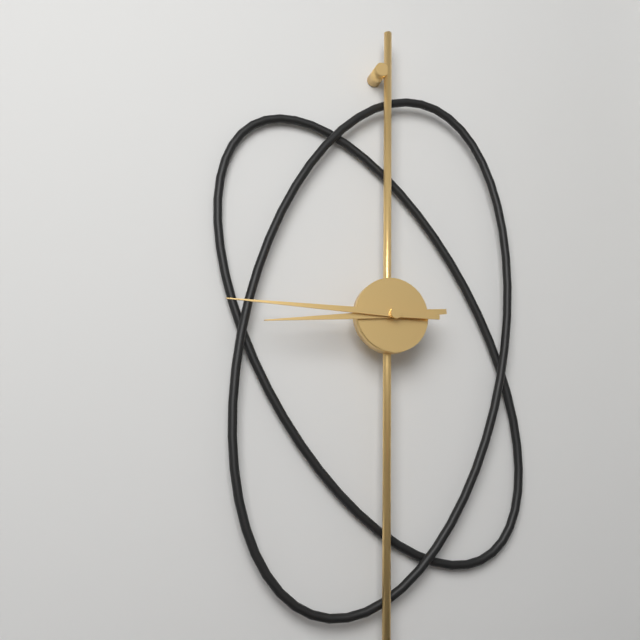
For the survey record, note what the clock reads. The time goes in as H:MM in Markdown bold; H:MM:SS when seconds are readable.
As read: **8:45**
